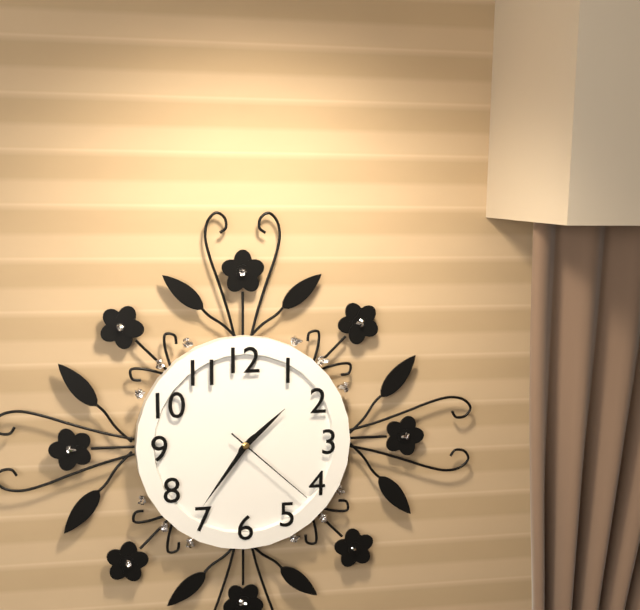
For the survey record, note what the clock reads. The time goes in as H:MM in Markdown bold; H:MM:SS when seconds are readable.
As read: **1:36:22**
